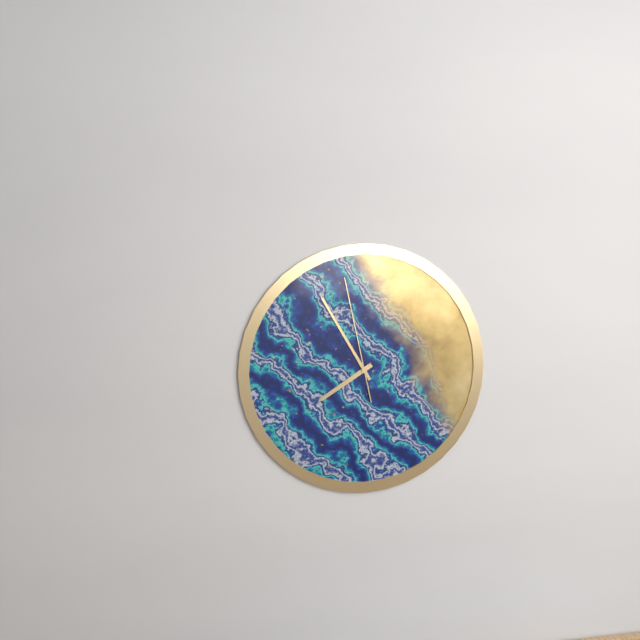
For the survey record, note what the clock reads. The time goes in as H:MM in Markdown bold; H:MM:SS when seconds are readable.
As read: **7:55:58**
